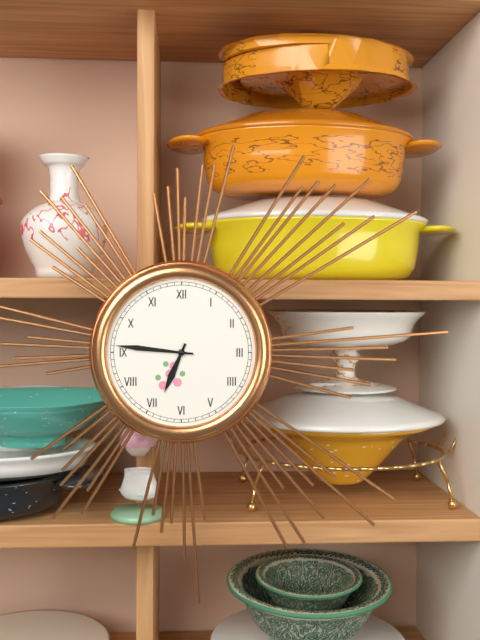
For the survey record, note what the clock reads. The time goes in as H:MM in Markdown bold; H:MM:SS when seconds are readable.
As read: **6:46**
